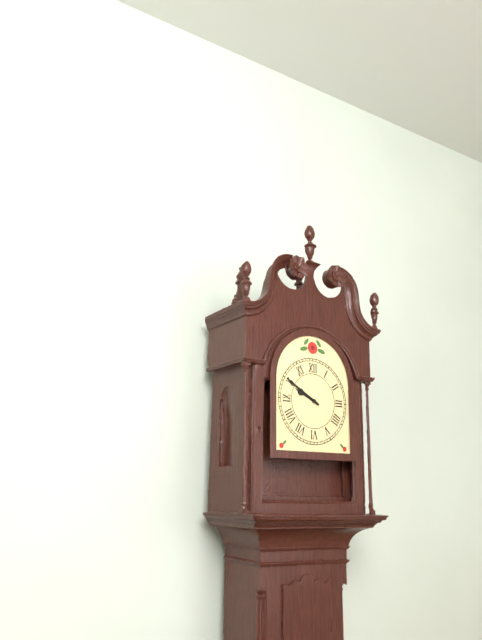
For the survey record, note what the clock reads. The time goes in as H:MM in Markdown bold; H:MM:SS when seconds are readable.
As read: **9:50**
